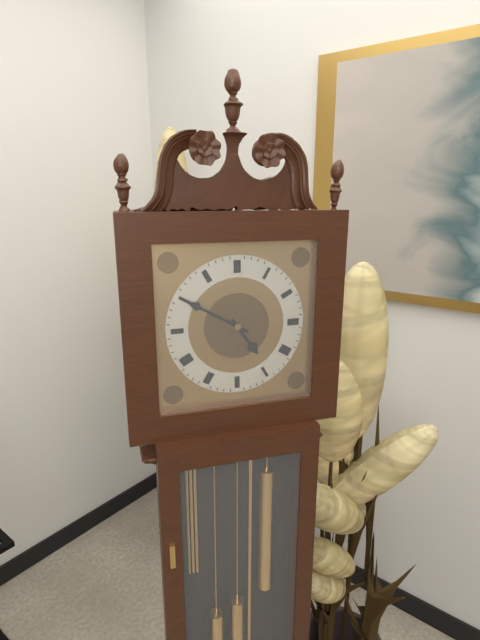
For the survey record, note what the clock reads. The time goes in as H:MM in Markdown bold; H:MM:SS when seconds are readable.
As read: **4:50**
